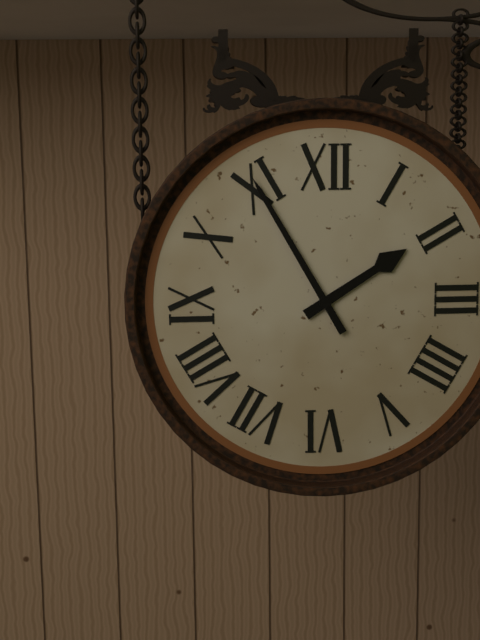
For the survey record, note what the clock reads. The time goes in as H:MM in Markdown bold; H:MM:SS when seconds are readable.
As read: **1:55**
